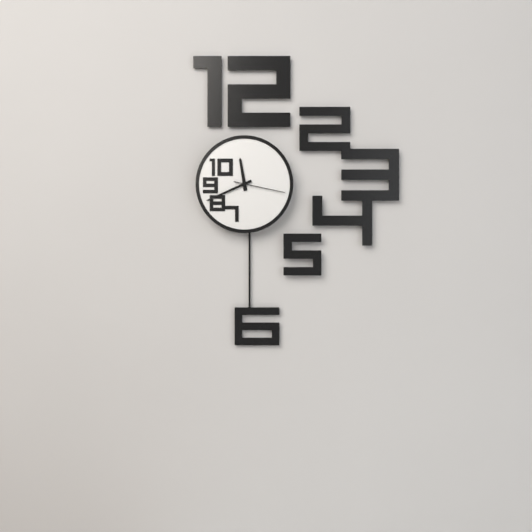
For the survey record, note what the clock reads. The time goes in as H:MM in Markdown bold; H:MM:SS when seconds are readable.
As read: **11:41:17**
